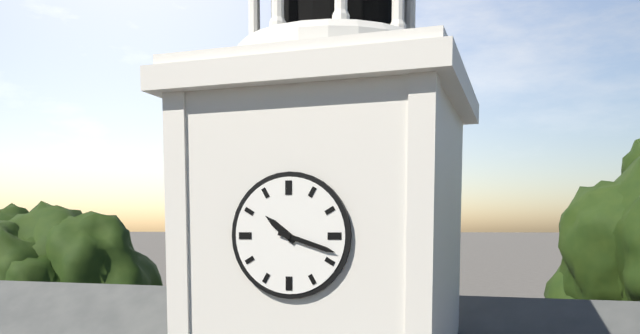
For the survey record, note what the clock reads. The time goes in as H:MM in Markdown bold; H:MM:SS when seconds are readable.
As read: **10:18**
